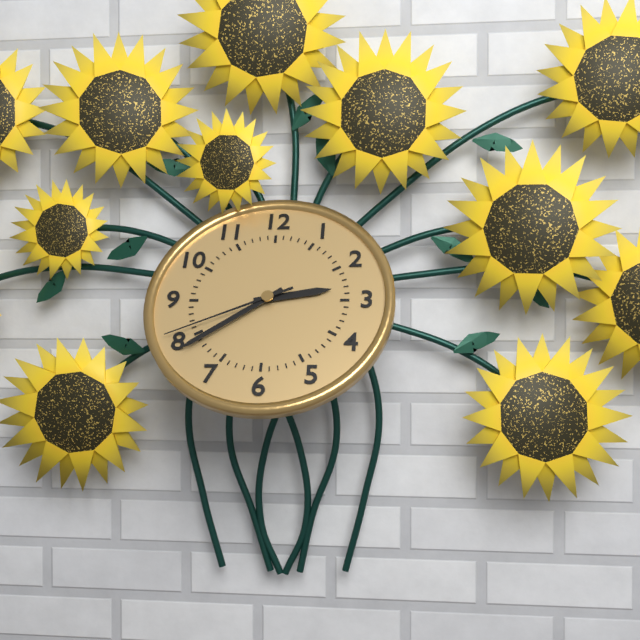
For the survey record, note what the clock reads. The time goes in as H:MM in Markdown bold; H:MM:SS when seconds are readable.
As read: **2:39:41**
